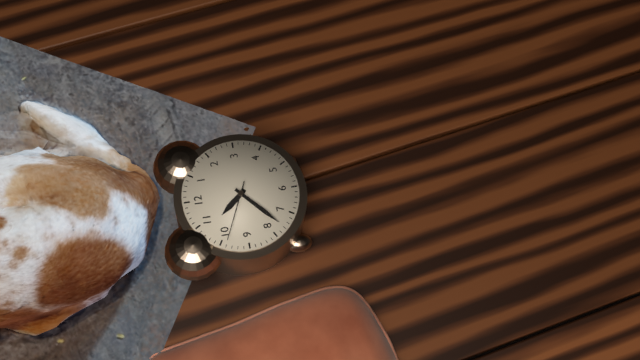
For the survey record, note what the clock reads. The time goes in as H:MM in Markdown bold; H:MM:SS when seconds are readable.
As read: **10:38:49**
